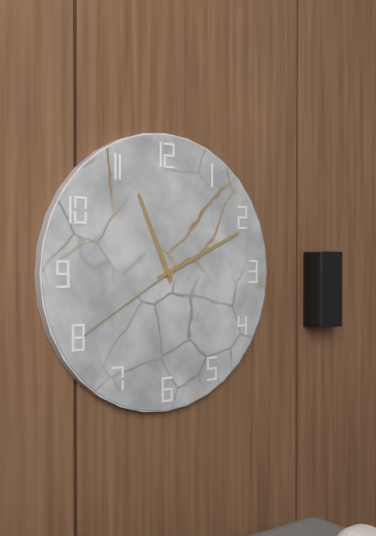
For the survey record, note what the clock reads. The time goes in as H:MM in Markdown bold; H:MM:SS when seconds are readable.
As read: **11:11:40**
